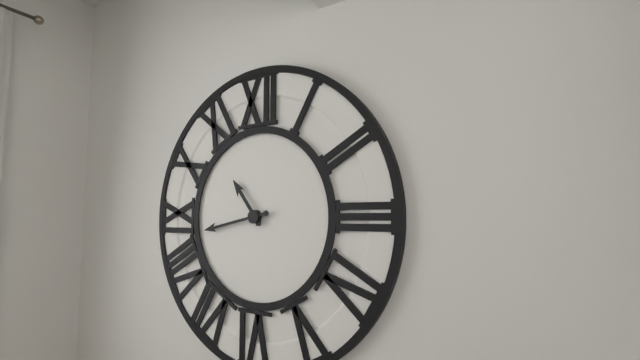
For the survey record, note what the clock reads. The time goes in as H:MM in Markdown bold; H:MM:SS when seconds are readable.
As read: **10:43**
